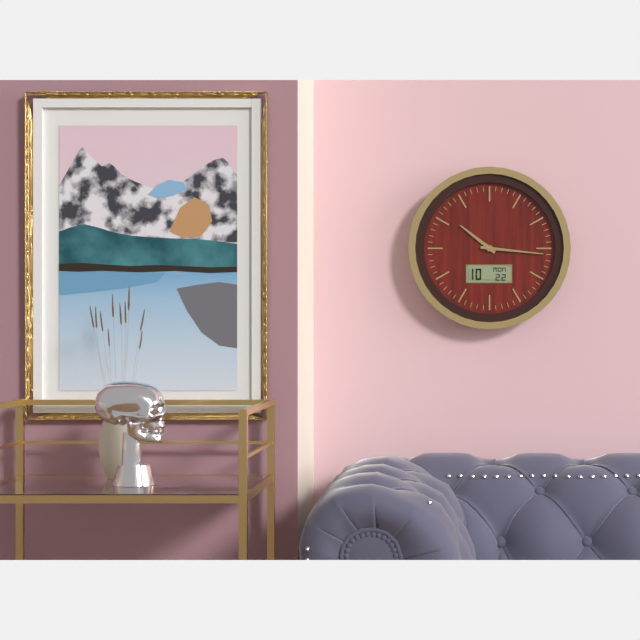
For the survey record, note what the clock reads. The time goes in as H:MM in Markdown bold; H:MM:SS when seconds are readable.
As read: **10:16**
